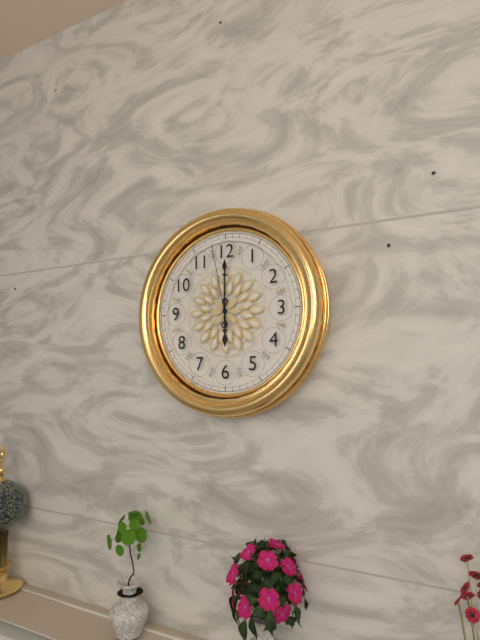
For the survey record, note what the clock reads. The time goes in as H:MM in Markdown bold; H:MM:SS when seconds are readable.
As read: **6:00:58**
